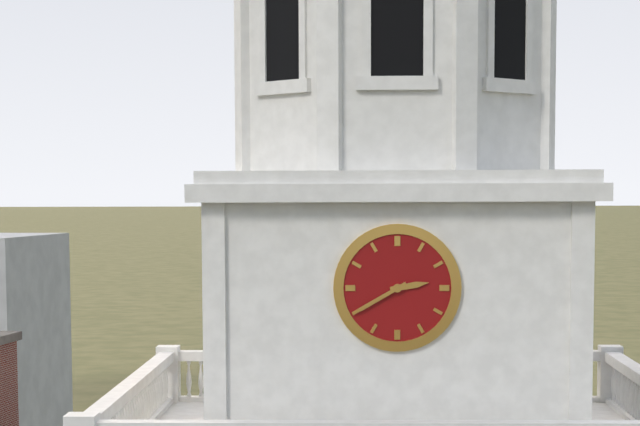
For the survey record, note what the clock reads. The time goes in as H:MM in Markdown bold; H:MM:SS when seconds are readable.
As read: **2:40**
